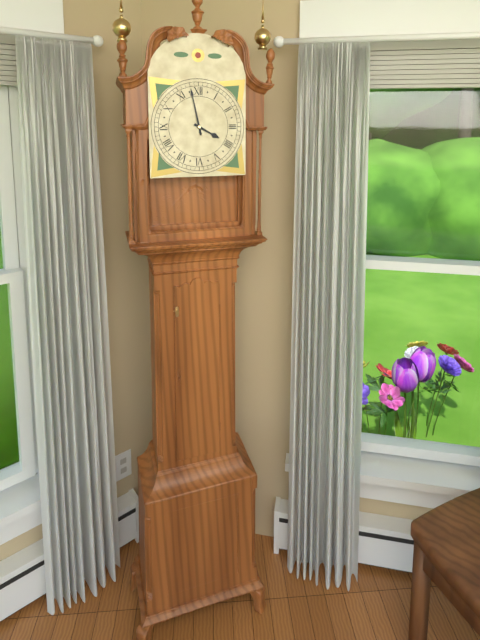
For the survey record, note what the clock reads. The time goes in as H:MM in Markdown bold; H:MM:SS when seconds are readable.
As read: **3:58**
